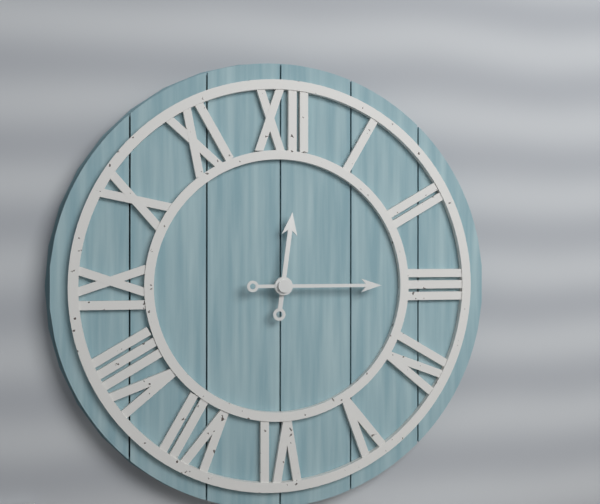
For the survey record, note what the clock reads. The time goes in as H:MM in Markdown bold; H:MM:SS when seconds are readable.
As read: **12:15**
